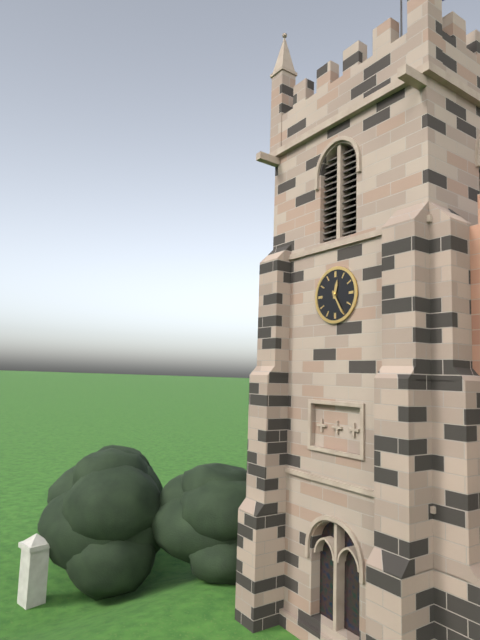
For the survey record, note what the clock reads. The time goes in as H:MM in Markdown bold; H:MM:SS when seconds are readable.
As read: **12:25**
